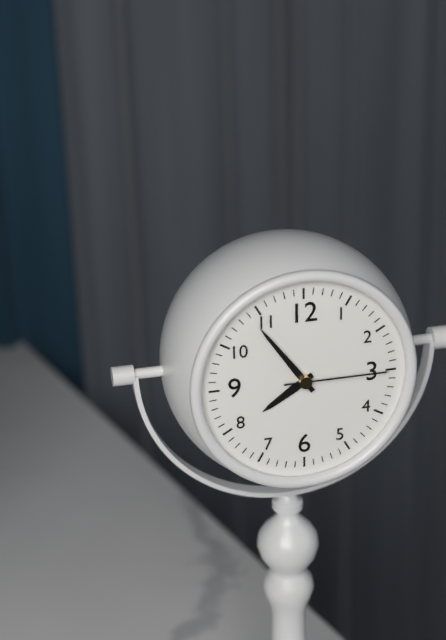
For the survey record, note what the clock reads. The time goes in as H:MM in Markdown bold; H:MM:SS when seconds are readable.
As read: **7:54:15**
